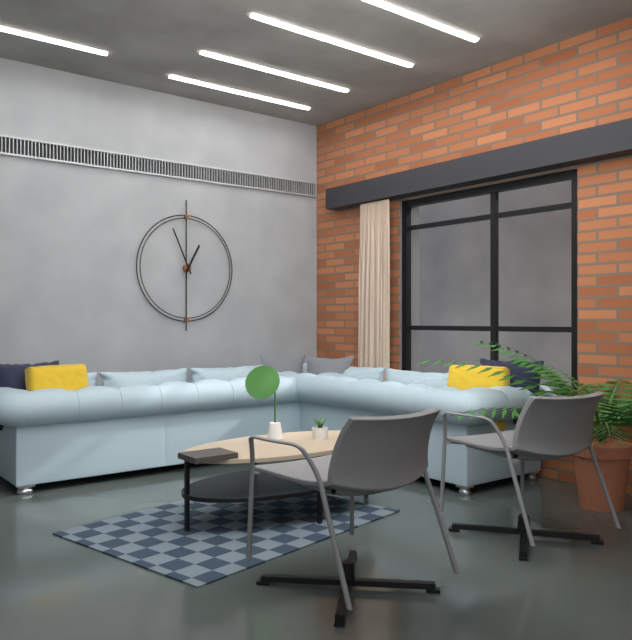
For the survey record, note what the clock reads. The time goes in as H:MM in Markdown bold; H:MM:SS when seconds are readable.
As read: **12:56**
